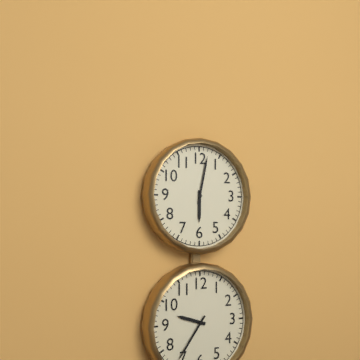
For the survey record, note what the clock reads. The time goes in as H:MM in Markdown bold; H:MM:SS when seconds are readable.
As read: **6:02**
